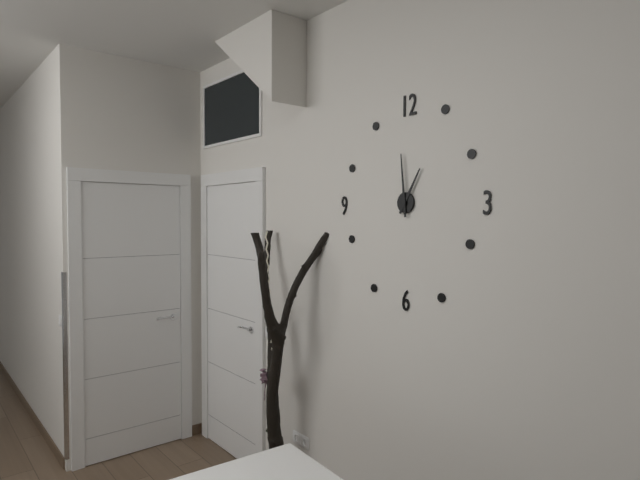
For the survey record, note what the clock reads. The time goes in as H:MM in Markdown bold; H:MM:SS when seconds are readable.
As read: **12:59**
